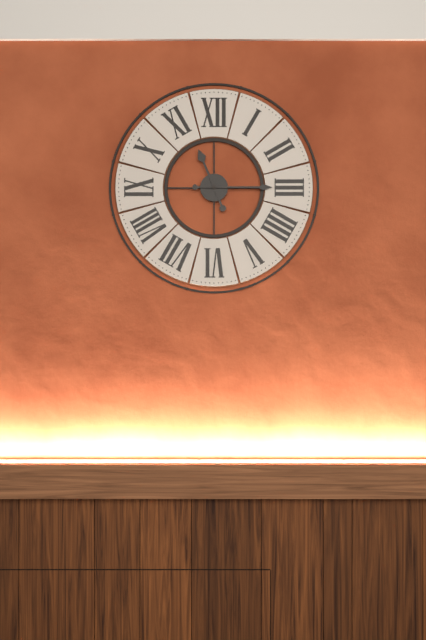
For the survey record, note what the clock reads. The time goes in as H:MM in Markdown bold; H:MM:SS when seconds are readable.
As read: **11:15**
